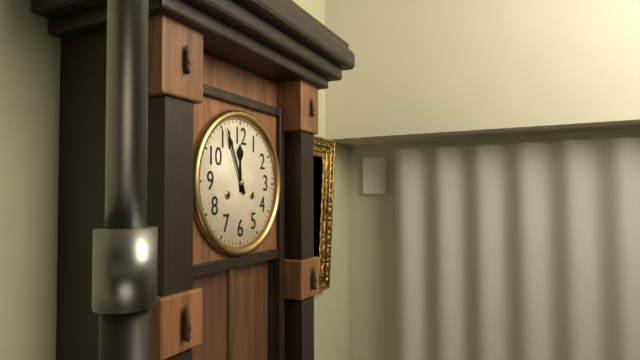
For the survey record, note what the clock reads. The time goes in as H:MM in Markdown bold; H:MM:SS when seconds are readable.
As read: **11:56**
